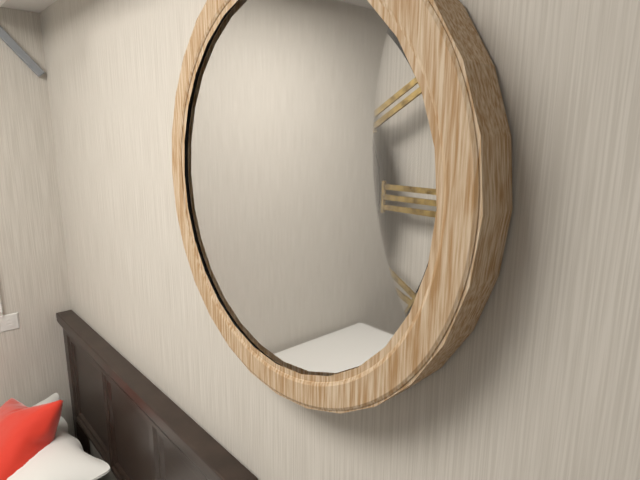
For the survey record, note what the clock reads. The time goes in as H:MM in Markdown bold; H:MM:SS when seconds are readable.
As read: **5:49**
